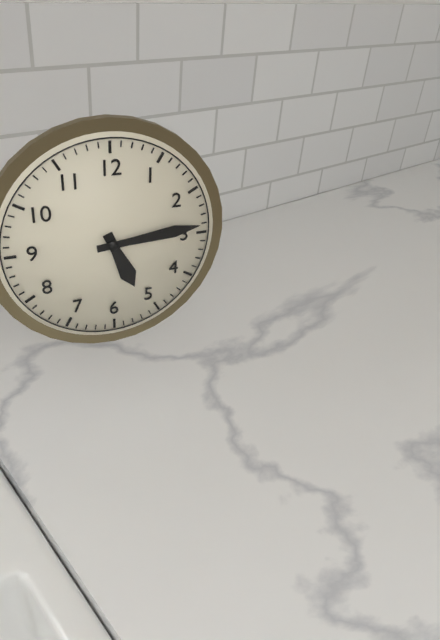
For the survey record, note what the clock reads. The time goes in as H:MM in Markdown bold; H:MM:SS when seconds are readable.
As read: **5:14**
